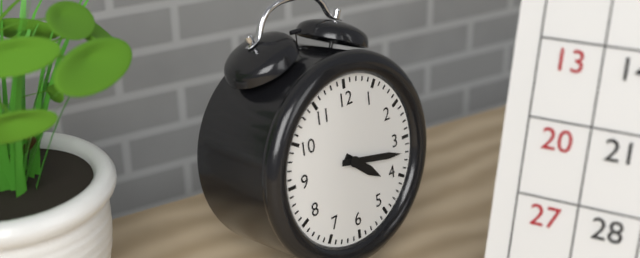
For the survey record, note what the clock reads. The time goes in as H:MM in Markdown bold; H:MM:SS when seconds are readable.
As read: **4:17**
